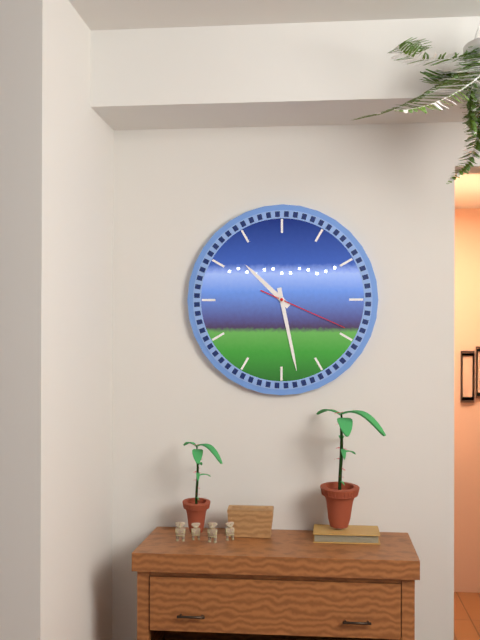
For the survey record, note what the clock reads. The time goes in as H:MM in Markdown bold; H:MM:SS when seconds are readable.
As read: **10:28:19**
